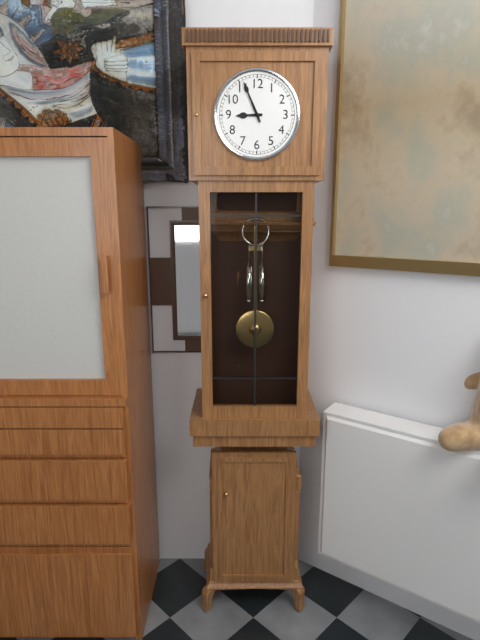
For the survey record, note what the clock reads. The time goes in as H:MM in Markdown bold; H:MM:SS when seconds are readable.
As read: **8:56**
